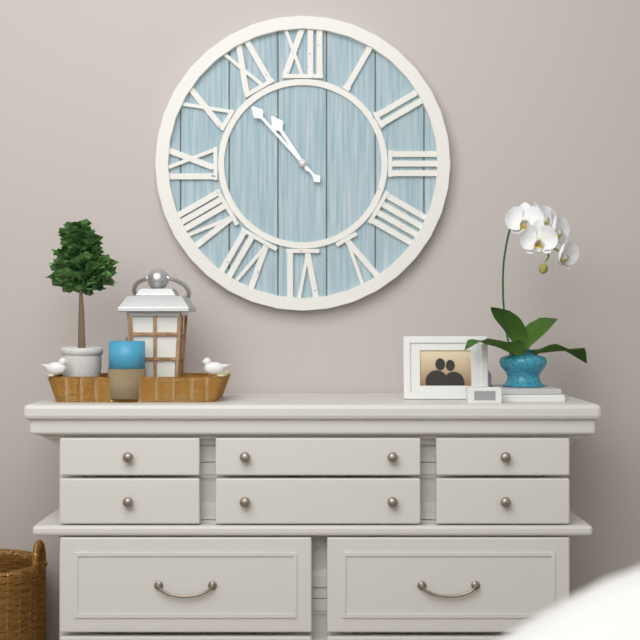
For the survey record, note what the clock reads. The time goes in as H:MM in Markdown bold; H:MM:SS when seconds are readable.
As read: **10:53**
